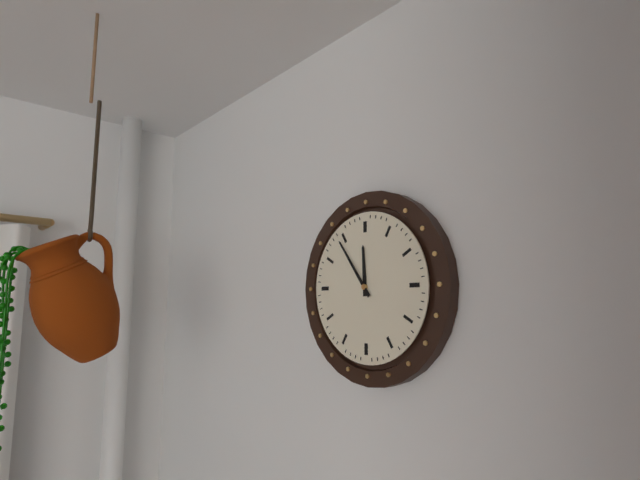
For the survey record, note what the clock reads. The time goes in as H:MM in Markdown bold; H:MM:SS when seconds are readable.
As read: **11:54**
